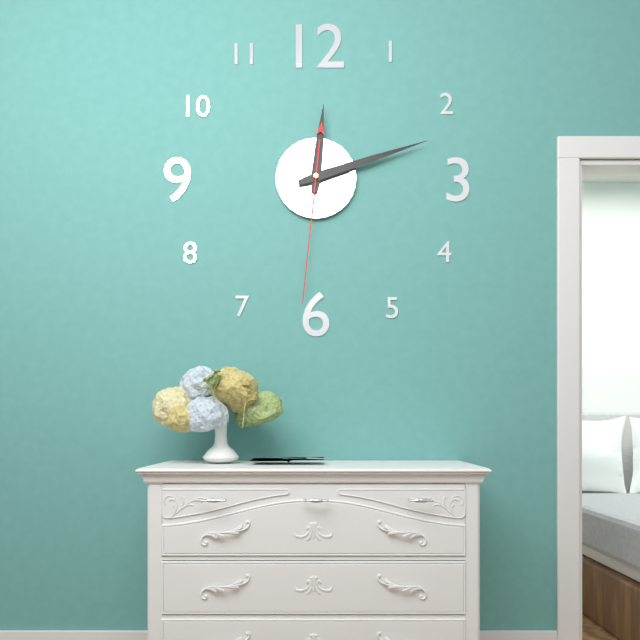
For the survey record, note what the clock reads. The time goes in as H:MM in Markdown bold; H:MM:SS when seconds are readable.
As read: **12:12:31**
